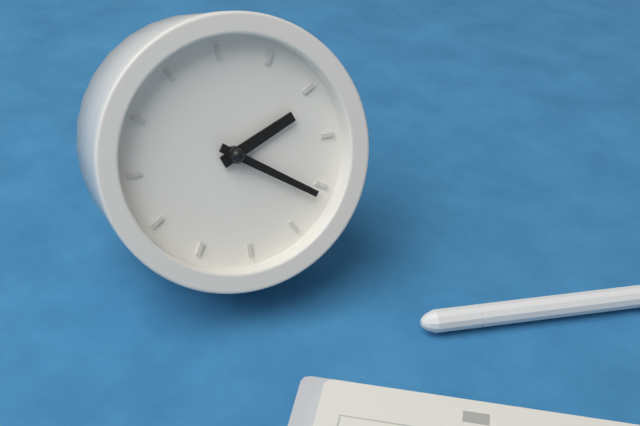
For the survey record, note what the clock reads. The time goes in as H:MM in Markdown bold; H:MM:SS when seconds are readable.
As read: **1:16**
